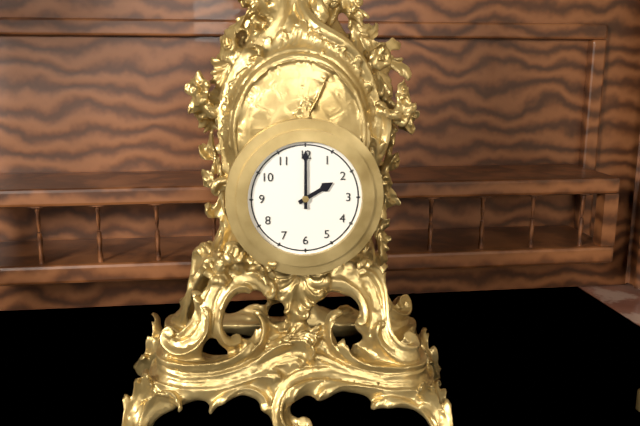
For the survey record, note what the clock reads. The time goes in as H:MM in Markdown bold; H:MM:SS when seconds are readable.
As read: **2:00**
